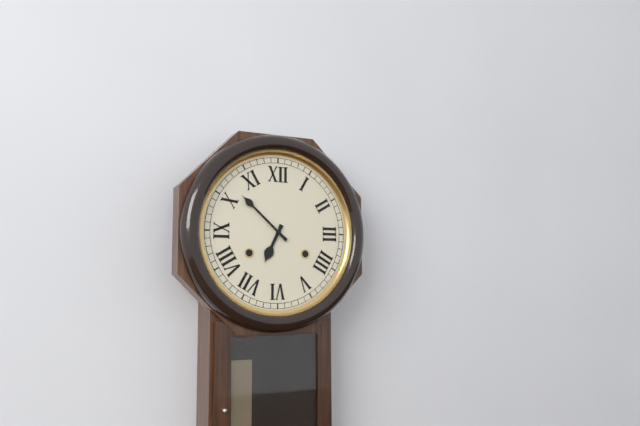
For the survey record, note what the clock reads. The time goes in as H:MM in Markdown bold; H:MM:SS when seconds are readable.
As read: **6:52**
